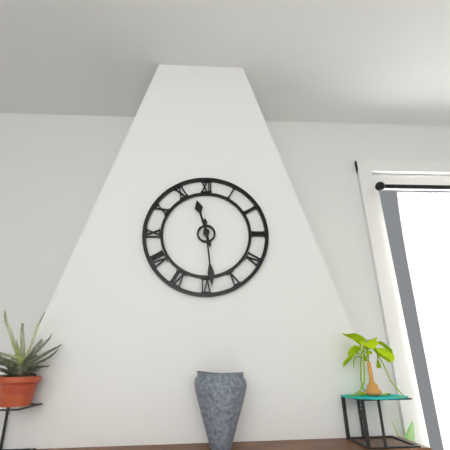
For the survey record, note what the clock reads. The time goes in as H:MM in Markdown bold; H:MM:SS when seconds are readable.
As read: **11:29**
